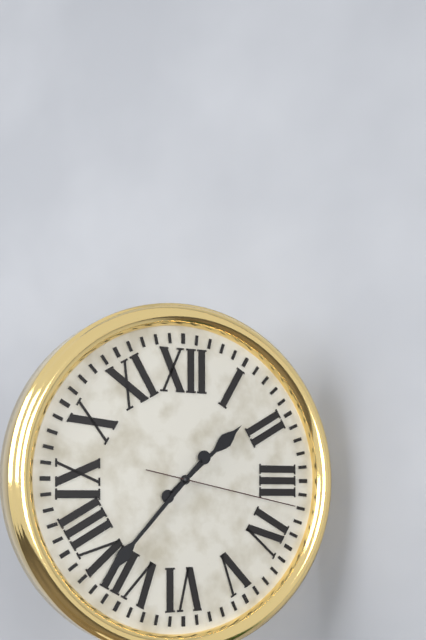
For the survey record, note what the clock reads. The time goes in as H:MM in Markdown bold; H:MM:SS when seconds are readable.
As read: **1:37:17**
